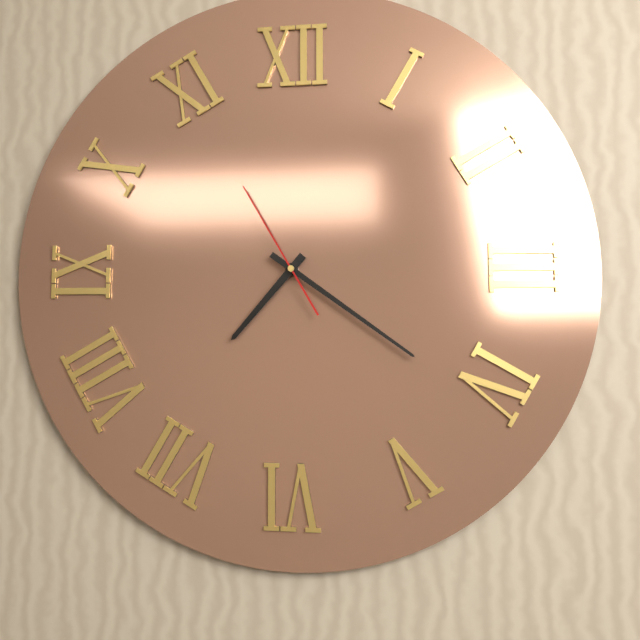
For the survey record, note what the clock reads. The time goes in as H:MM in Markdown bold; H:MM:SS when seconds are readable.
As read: **7:21:55**
